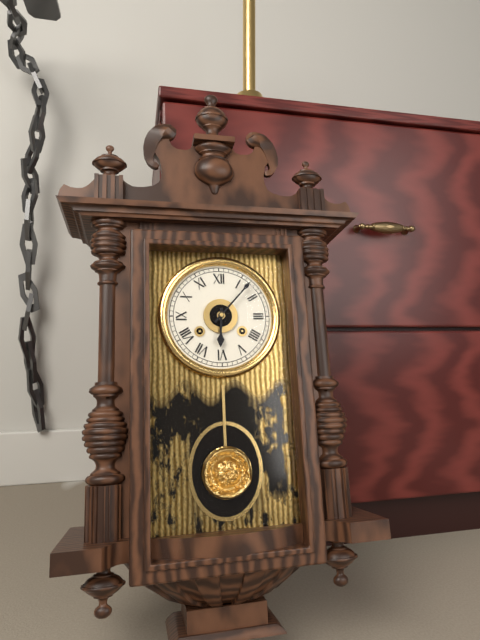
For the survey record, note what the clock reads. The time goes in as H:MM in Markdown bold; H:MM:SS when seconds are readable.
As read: **6:07**
